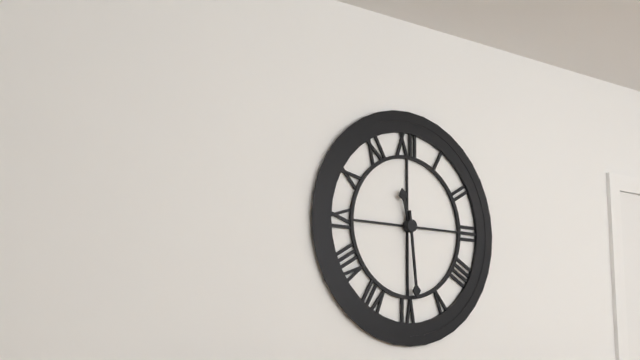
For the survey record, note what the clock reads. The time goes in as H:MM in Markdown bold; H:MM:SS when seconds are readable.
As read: **11:29**
